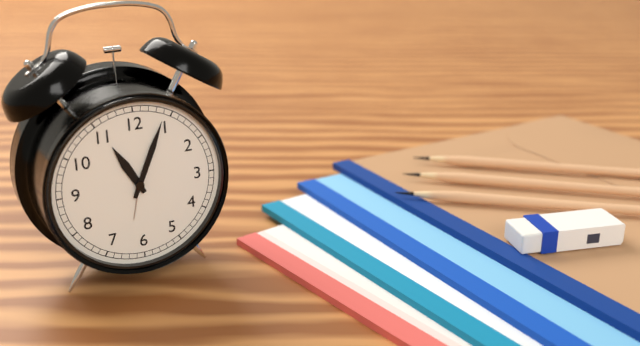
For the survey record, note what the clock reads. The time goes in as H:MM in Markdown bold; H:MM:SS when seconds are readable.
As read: **11:04**
